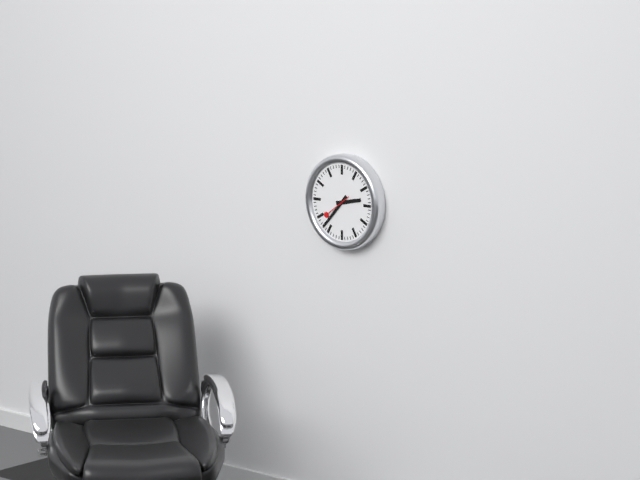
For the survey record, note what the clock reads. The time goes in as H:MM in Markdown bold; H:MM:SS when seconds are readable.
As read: **2:37**
